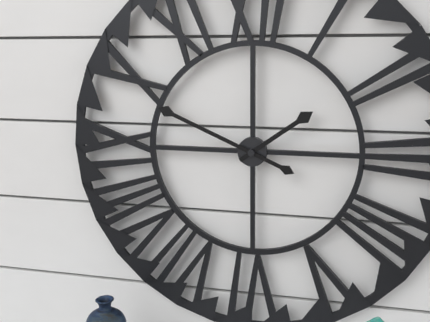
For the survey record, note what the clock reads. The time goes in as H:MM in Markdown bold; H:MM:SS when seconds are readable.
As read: **1:49**
